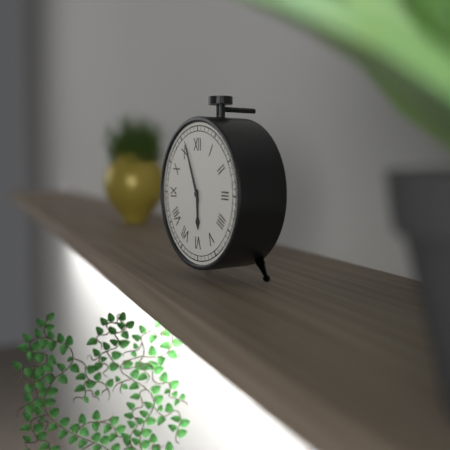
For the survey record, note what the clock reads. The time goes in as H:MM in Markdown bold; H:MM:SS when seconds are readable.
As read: **5:56**
